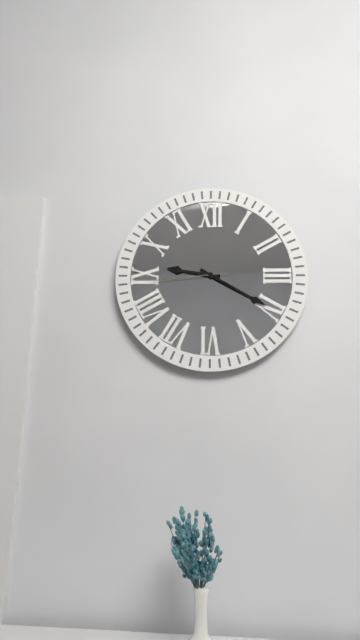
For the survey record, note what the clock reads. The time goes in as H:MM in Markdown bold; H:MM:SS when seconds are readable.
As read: **9:20:44**
